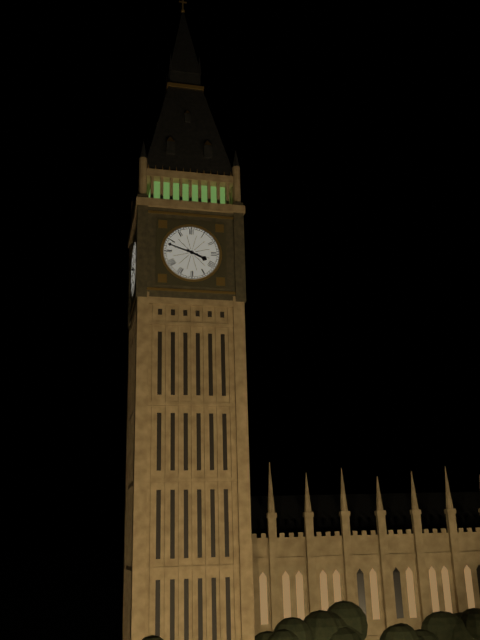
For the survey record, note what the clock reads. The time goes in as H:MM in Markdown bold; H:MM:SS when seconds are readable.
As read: **3:48**
